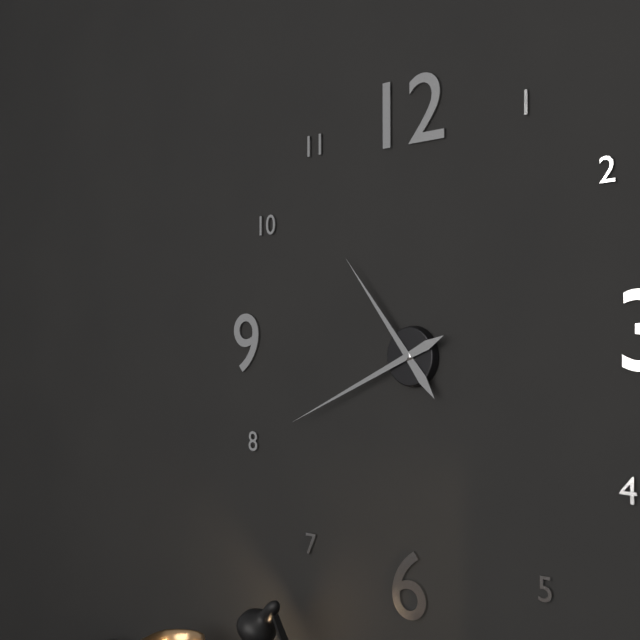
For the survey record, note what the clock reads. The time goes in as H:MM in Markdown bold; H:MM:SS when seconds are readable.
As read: **10:41**
